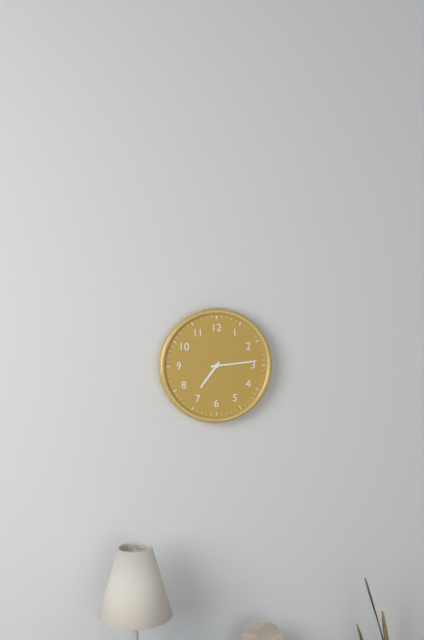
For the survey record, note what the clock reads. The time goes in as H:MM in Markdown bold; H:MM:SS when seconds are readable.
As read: **7:14**
